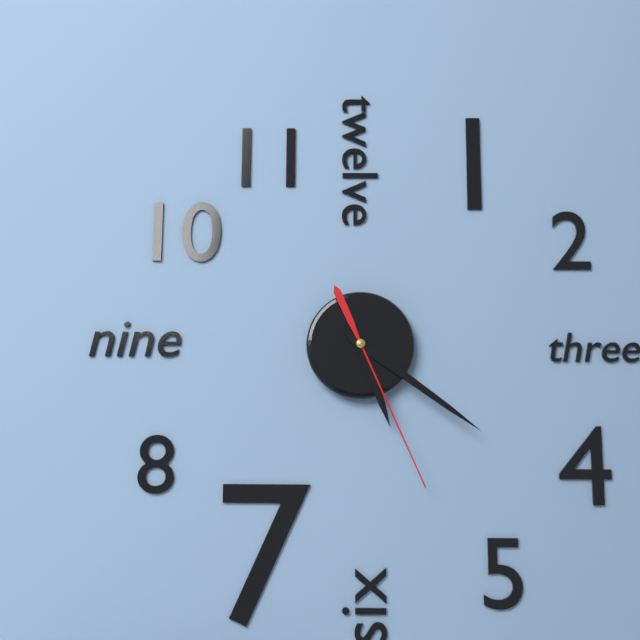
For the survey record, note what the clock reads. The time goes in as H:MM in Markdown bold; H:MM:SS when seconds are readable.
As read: **5:21:26**
